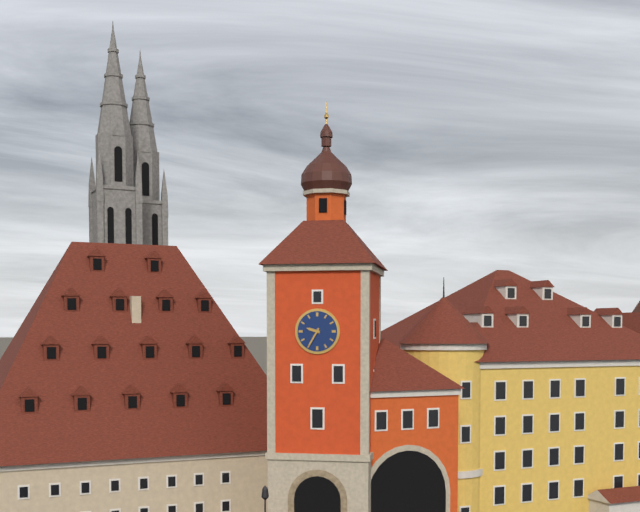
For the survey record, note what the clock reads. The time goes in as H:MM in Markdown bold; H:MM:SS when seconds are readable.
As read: **9:35**
